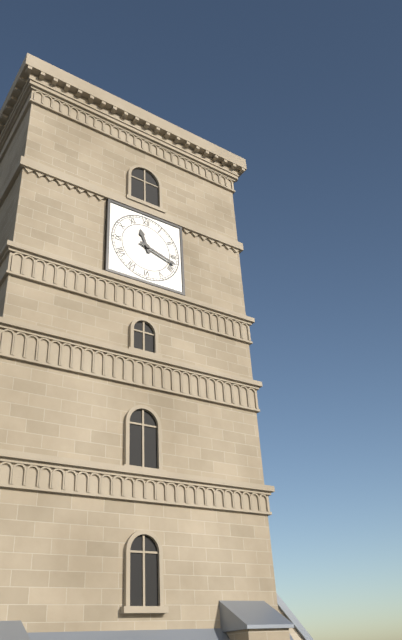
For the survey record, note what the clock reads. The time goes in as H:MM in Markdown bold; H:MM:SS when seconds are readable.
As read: **11:18**
